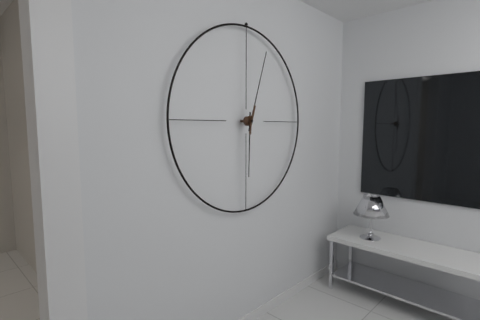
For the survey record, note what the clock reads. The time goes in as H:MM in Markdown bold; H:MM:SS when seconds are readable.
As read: **6:03**
